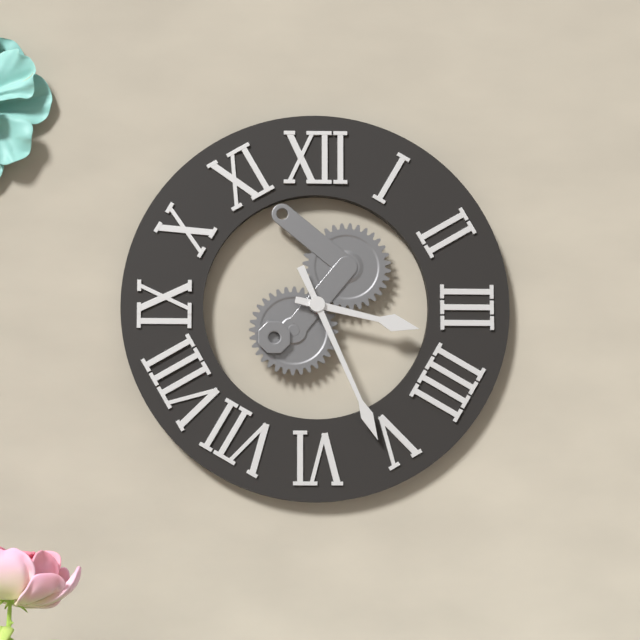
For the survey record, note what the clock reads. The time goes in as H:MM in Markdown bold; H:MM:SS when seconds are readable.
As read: **3:26**
